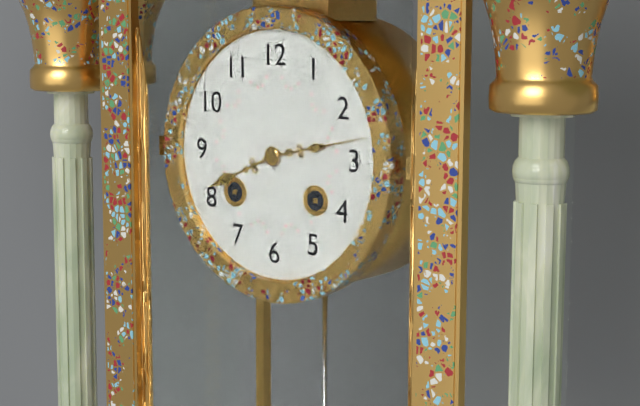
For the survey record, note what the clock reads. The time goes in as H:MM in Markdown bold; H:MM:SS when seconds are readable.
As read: **8:13**
